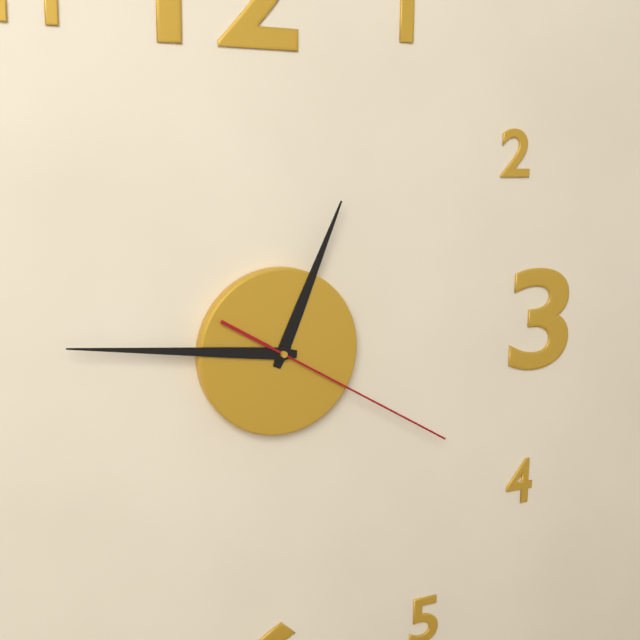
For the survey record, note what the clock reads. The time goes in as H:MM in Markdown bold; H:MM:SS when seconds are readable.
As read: **12:46:20**
